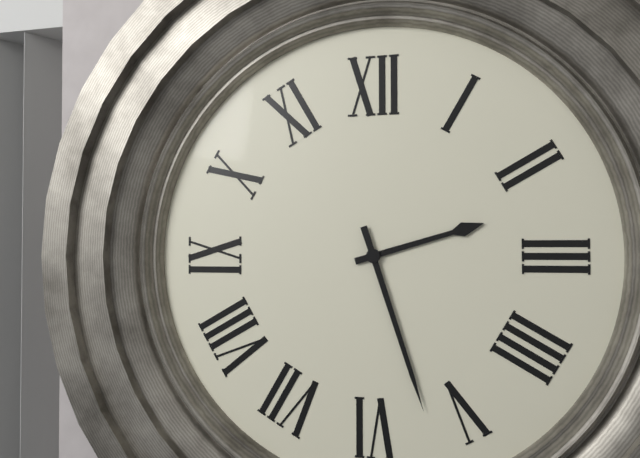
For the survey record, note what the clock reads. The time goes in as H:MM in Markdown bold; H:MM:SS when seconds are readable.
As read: **2:27**
